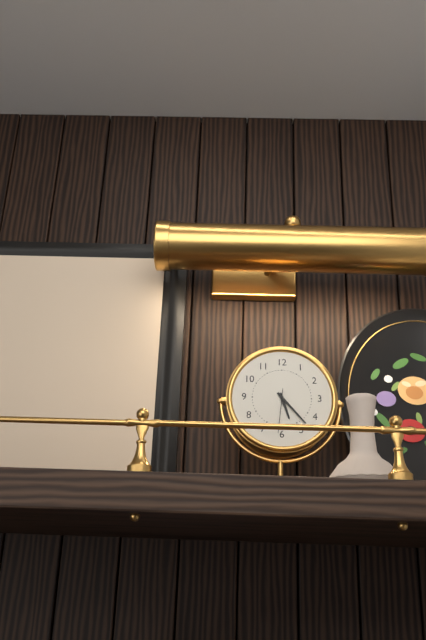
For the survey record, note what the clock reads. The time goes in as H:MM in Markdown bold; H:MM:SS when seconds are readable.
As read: **5:23**
